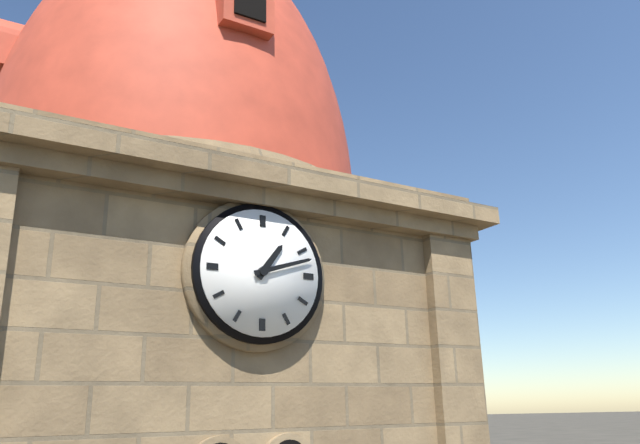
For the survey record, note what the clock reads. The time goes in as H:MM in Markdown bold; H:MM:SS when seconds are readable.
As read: **1:12**
